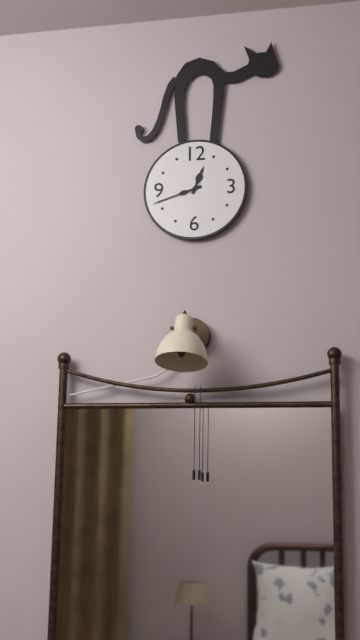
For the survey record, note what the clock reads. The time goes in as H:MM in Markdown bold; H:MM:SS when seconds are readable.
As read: **12:42**
